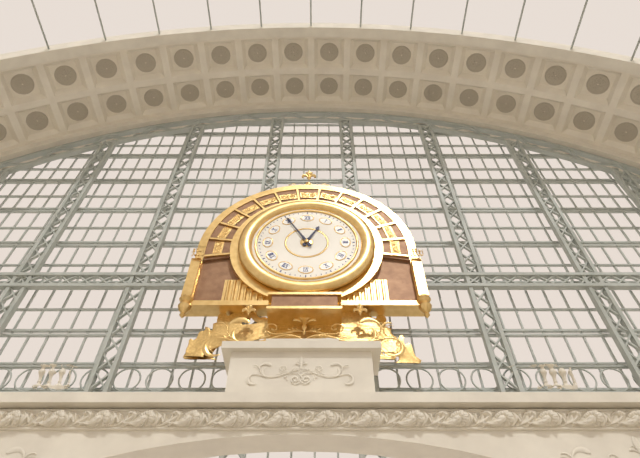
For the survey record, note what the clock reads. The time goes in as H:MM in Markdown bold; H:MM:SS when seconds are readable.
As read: **12:55**
